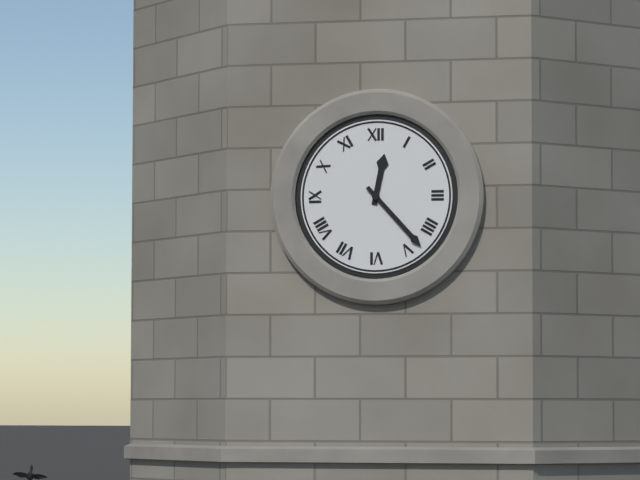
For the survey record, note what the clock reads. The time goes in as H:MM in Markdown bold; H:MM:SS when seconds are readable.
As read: **12:23**
